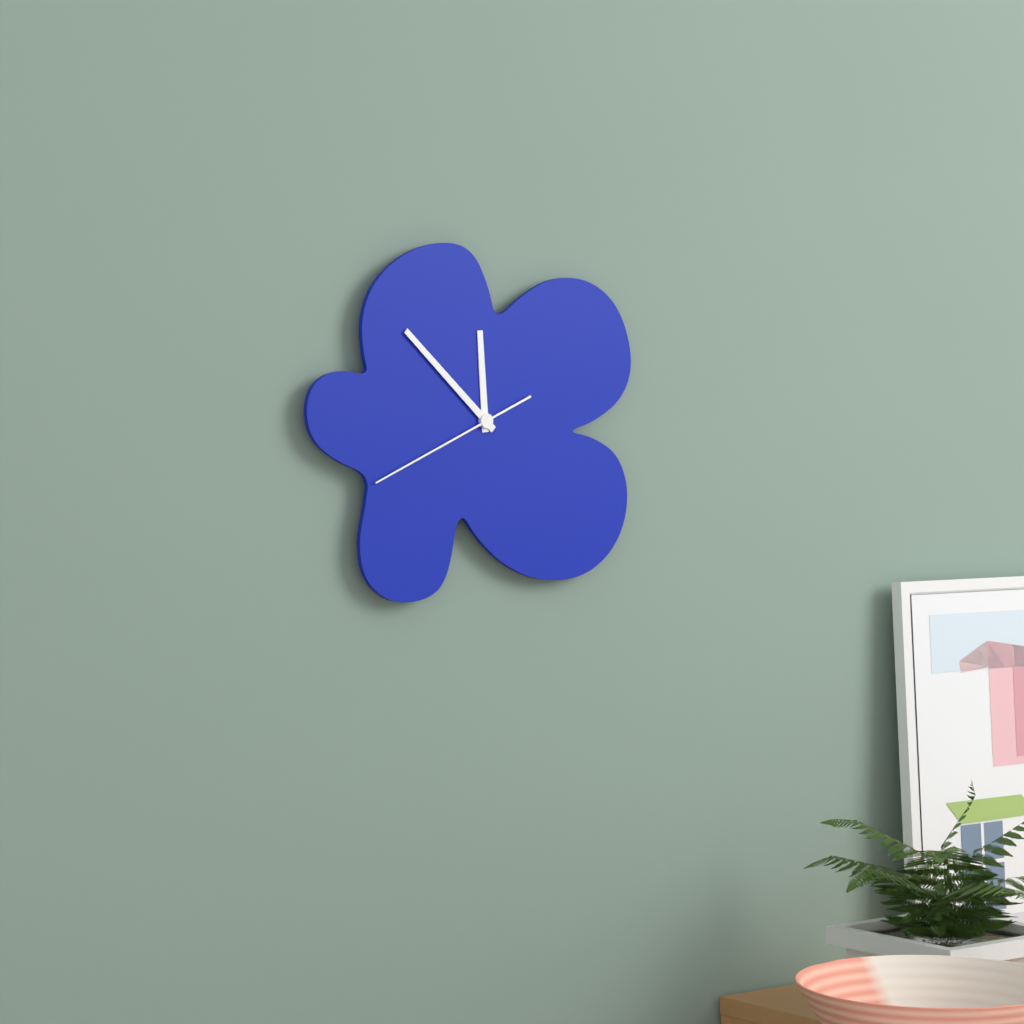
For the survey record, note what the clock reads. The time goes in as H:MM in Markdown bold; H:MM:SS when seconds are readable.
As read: **11:52:41**
